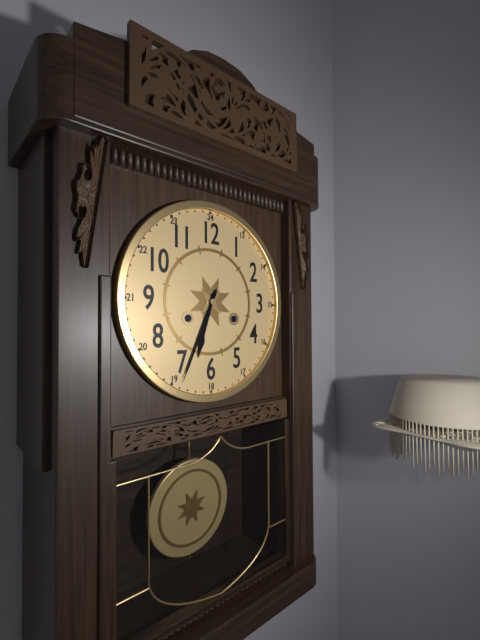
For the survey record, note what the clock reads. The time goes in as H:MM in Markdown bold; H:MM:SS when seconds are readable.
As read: **6:34**
